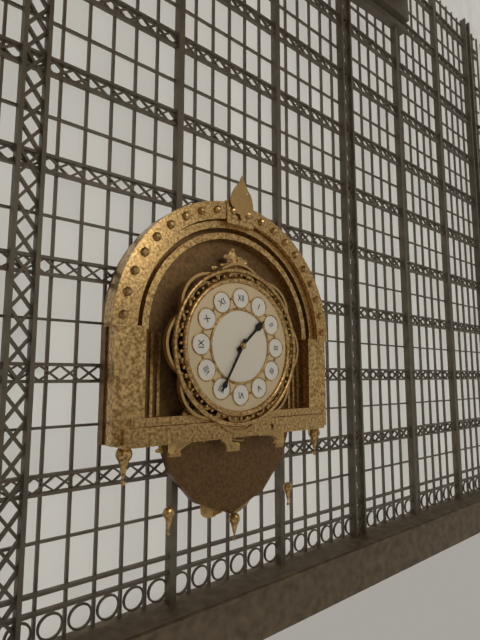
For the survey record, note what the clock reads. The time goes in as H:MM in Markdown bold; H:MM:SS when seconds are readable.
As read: **1:35**
